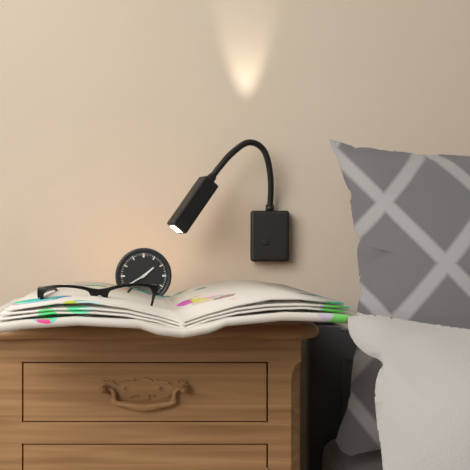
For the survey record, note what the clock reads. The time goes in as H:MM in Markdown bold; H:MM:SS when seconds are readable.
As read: **1:40**
